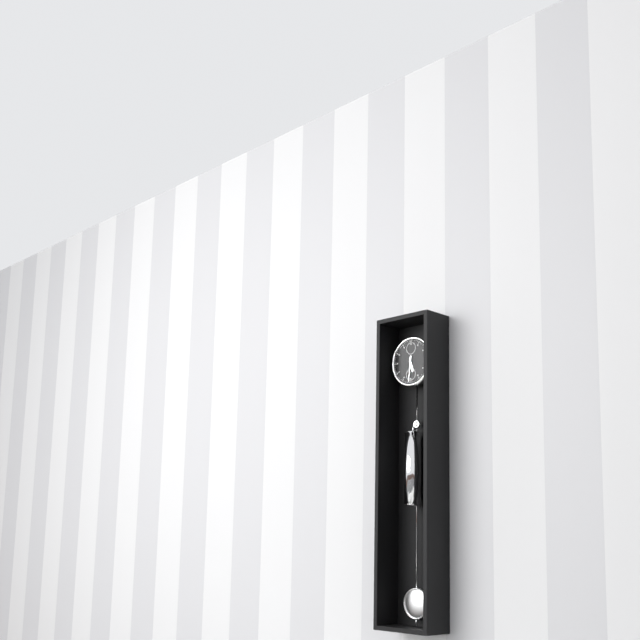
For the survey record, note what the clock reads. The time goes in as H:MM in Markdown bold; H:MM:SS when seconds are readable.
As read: **5:31**
